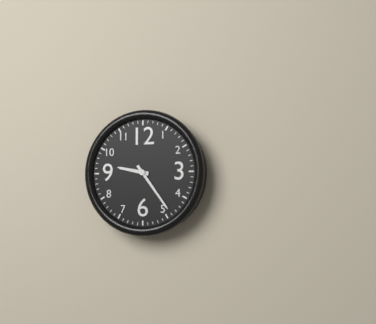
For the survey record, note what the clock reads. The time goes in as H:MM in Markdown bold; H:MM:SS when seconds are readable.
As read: **9:24**
